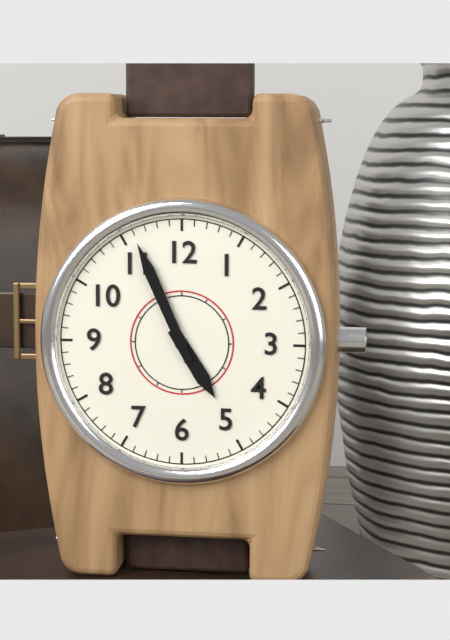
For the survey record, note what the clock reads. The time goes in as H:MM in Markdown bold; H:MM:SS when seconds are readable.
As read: **4:56**
